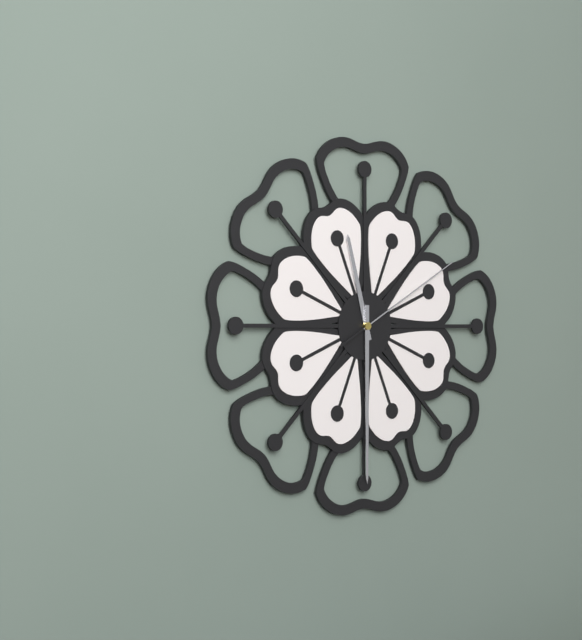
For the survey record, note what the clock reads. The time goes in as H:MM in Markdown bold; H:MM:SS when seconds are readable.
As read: **11:30:10**
